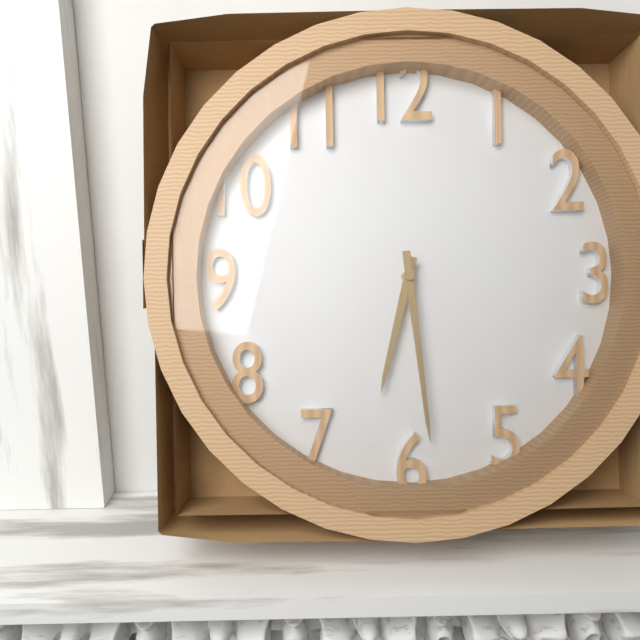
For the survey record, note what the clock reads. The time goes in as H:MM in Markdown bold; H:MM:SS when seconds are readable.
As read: **6:29**
